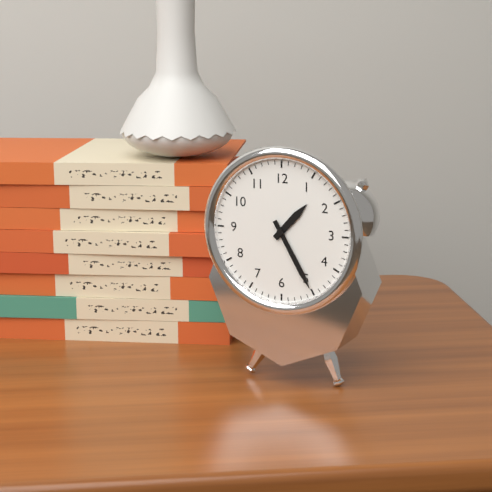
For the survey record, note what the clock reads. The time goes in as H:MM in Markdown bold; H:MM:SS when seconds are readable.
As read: **1:25**
